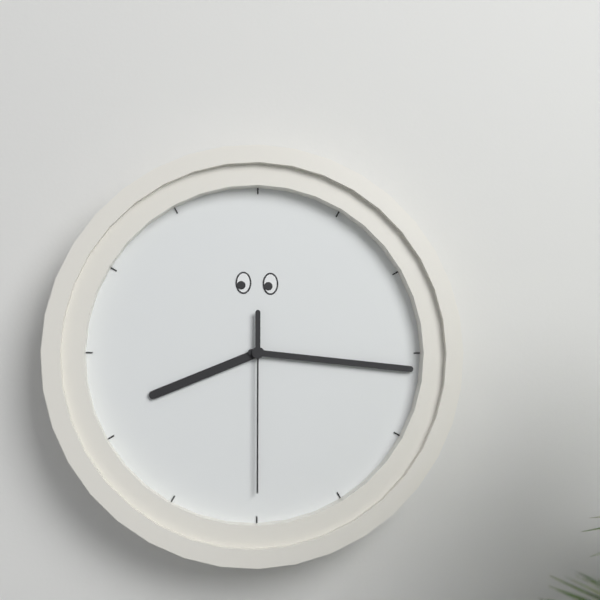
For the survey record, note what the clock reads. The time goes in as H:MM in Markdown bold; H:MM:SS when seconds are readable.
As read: **8:16:30**
